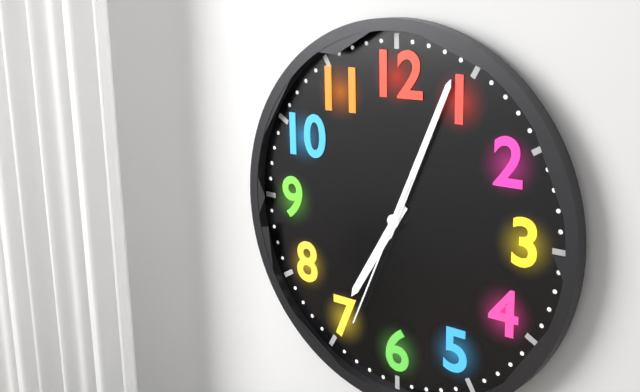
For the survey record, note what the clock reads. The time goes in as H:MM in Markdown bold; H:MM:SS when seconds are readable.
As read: **7:04:34**
